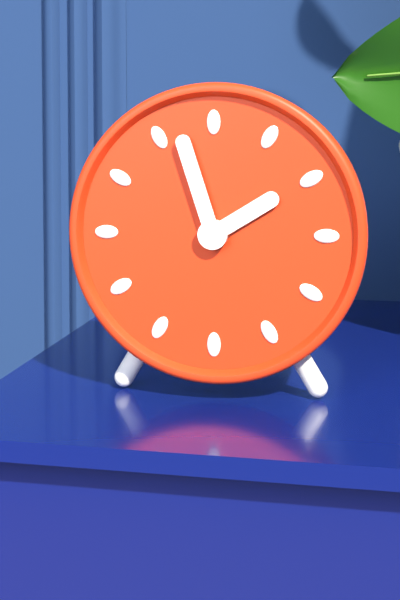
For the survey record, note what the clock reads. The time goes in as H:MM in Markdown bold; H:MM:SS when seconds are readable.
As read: **1:57**
